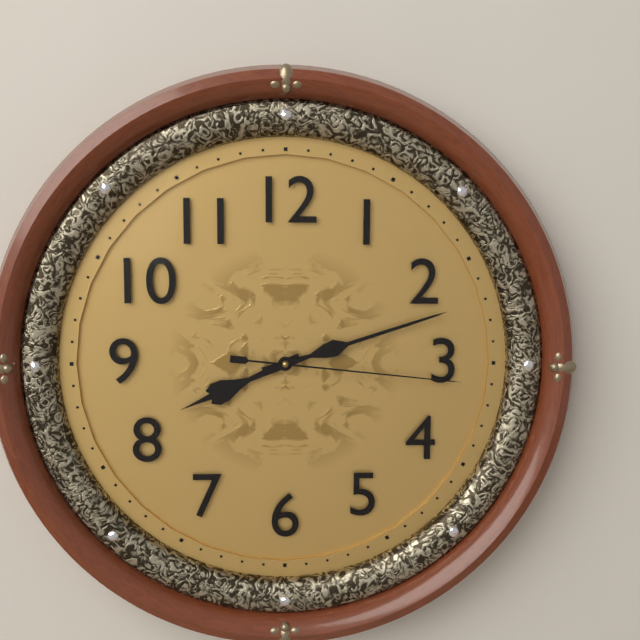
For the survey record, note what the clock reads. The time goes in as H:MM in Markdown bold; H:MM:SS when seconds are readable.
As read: **8:12:16**
